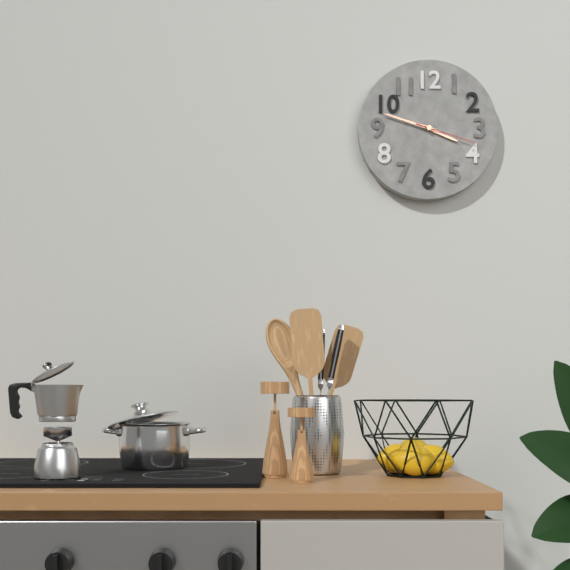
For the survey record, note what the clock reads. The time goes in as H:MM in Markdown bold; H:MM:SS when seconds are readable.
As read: **3:48:18**
